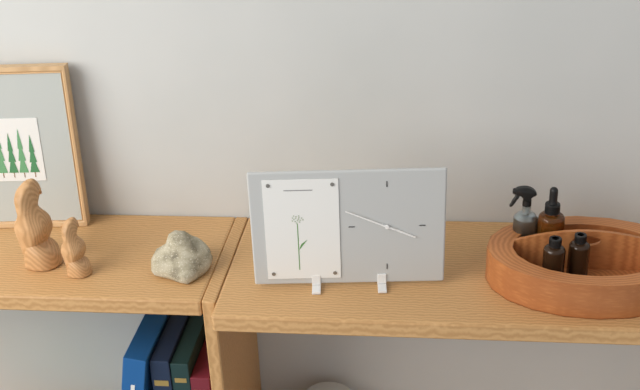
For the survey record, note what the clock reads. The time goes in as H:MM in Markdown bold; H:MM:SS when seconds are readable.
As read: **3:49**
